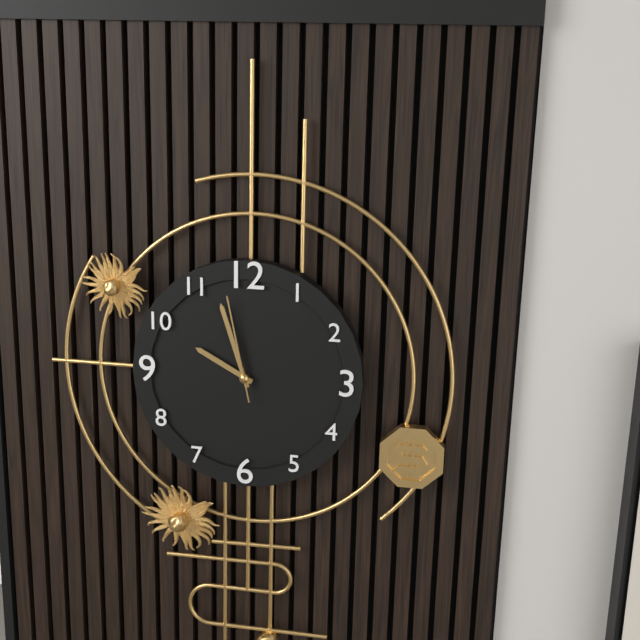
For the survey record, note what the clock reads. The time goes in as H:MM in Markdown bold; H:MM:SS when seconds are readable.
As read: **9:57:58**
